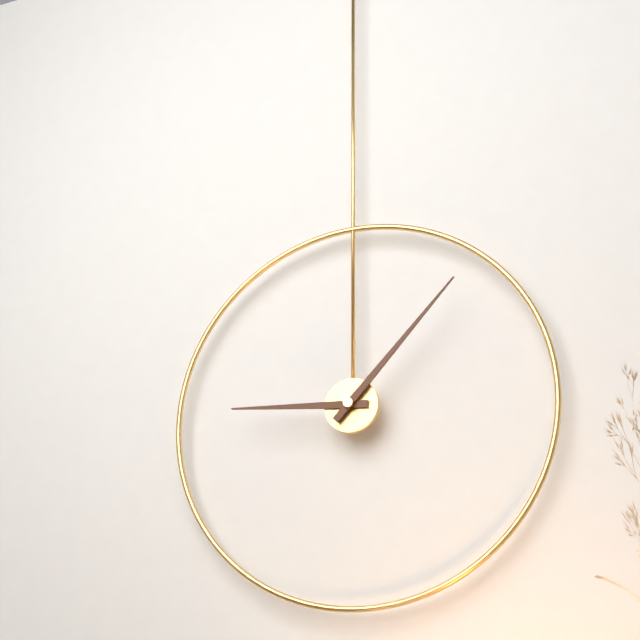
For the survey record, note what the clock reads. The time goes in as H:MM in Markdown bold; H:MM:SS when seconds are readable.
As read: **9:07**
